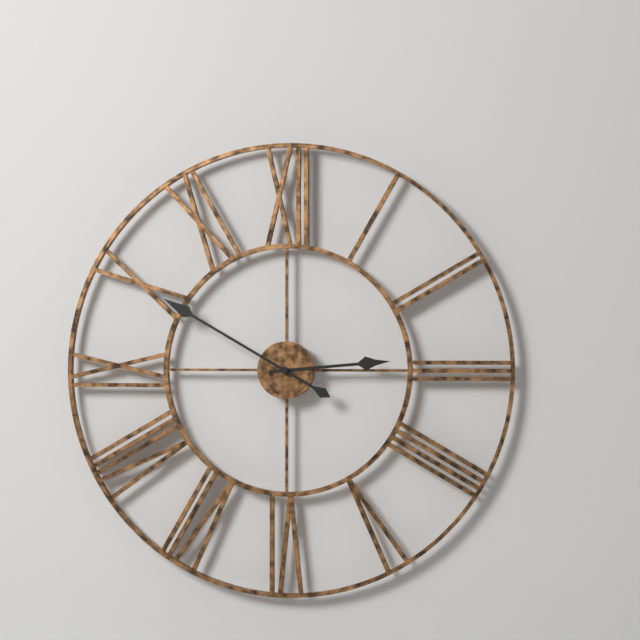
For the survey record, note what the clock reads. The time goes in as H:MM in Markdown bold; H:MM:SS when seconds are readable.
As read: **2:50**
